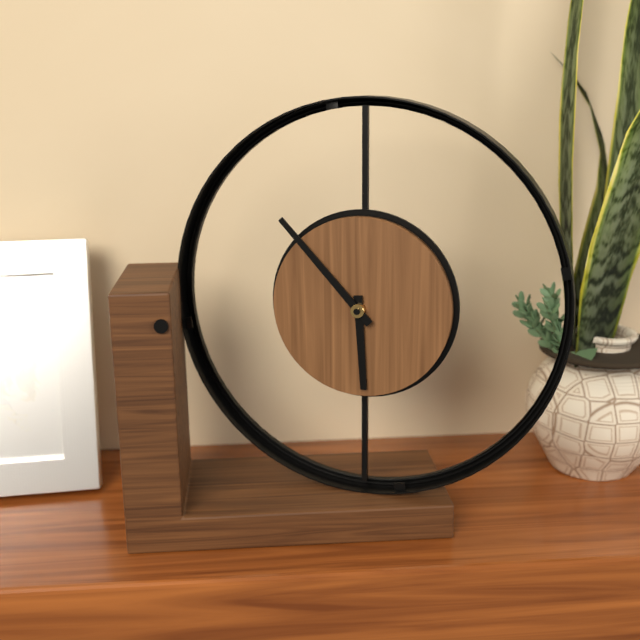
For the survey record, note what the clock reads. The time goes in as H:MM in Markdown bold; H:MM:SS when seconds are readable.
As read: **5:53**
